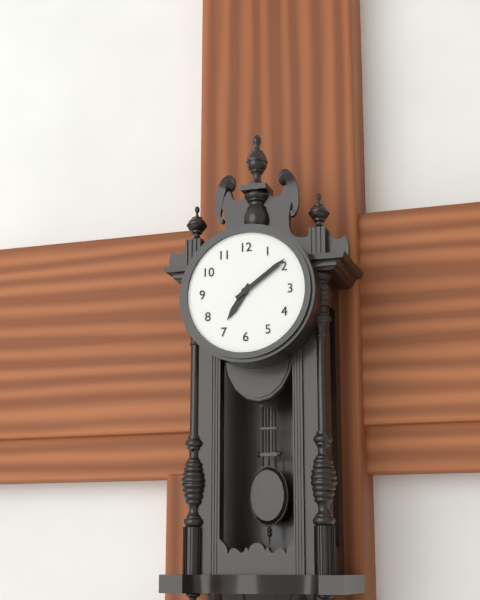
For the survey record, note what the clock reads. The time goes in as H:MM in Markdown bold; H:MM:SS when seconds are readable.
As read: **7:09**
